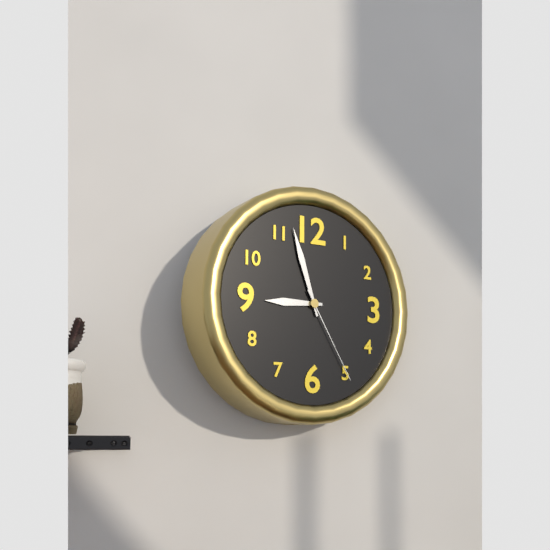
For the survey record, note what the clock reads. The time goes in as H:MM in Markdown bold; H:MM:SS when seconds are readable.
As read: **8:57:25**
